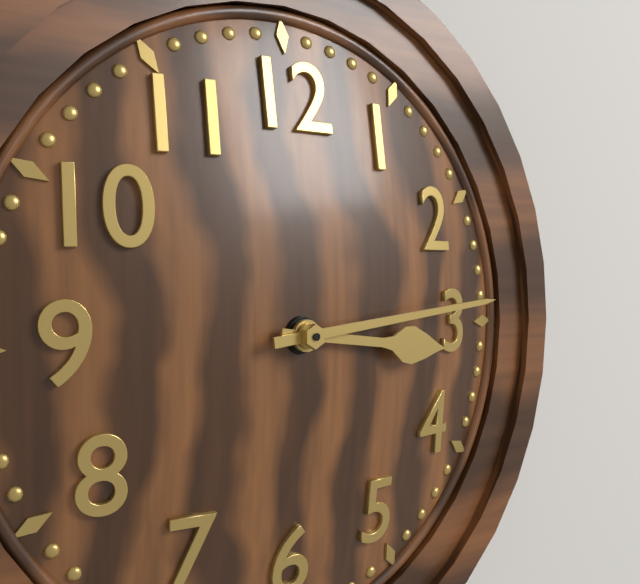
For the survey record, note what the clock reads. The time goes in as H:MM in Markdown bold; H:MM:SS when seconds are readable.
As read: **3:14**
